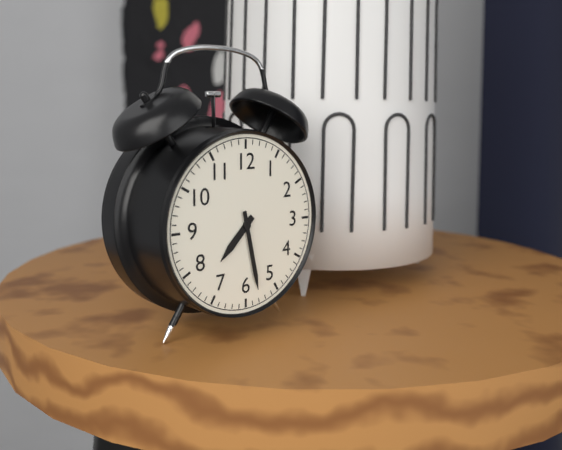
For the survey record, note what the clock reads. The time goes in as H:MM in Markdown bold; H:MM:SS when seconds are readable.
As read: **7:28**
